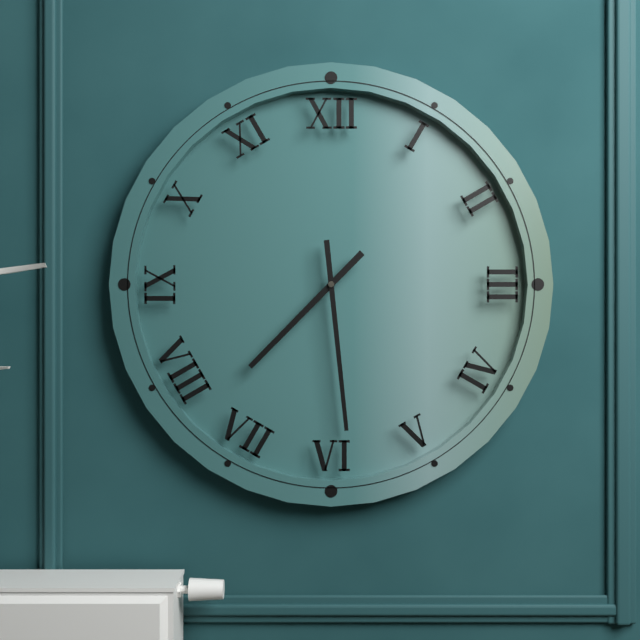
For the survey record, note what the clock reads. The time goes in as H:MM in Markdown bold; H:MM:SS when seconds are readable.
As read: **7:29**
